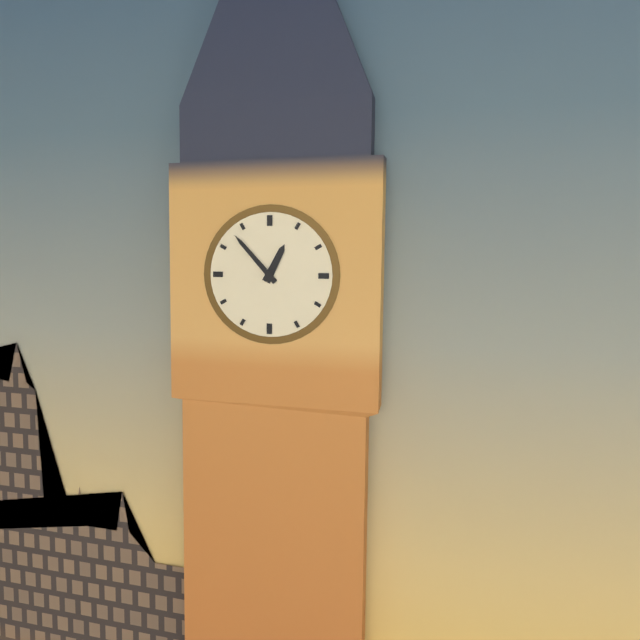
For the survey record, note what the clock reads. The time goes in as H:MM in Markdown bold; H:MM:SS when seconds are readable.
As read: **12:53**
